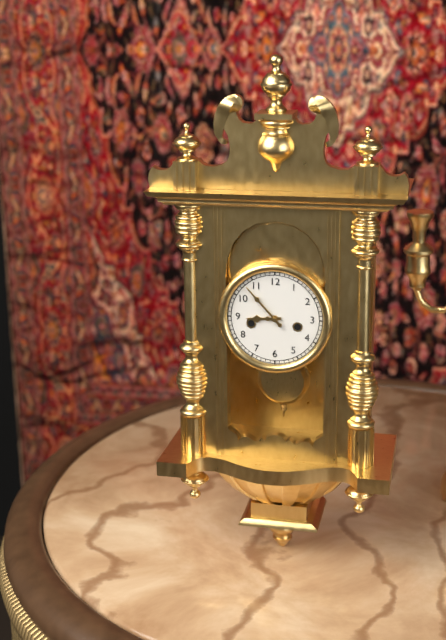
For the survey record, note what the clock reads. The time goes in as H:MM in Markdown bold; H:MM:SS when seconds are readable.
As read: **8:53**
